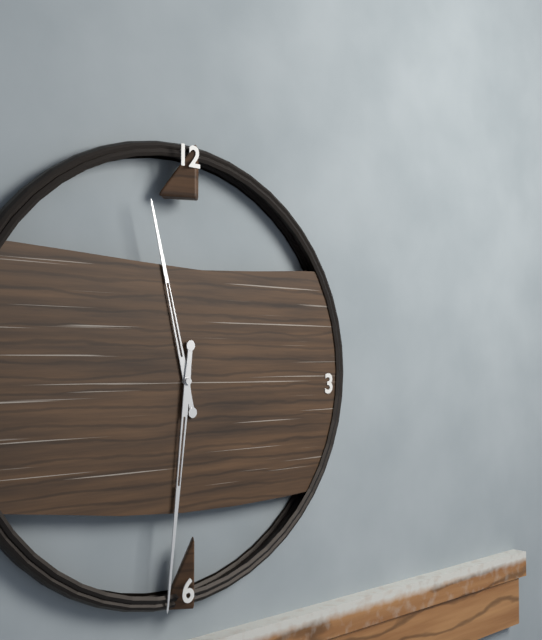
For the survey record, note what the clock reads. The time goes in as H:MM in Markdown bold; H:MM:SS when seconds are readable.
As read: **11:31**
